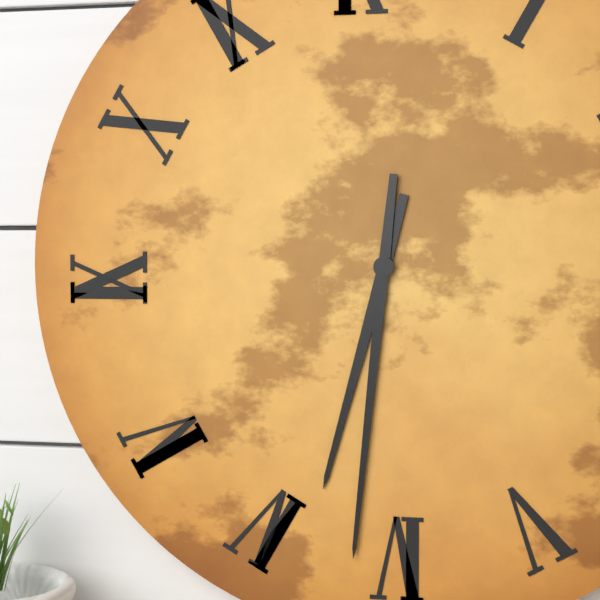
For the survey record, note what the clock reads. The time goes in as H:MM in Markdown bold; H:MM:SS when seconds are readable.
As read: **6:31**
